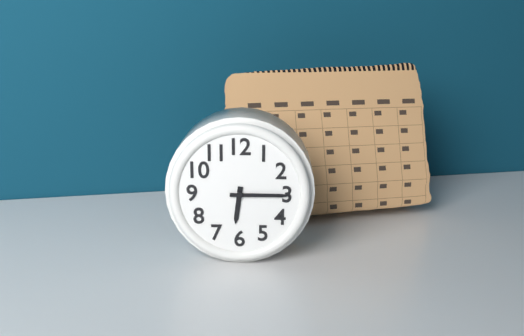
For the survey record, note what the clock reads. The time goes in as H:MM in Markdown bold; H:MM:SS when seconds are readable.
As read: **6:15**
